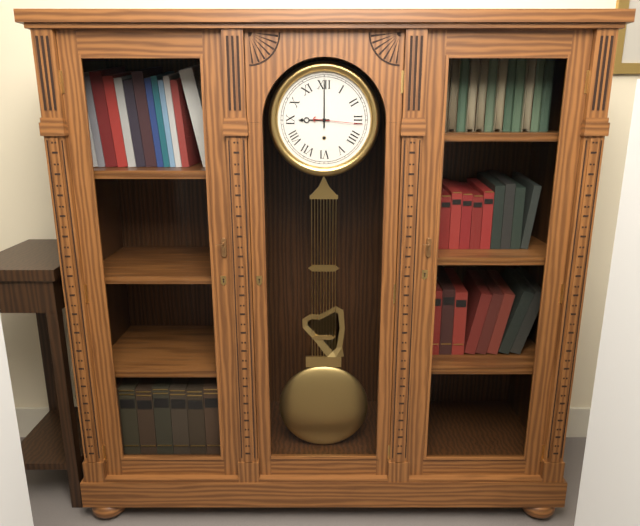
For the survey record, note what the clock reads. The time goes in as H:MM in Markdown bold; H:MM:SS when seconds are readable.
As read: **9:00**
